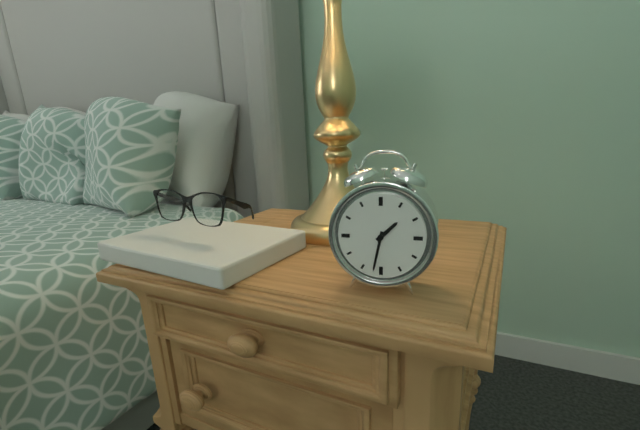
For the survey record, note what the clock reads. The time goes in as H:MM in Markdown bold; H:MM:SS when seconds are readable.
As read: **1:32**
